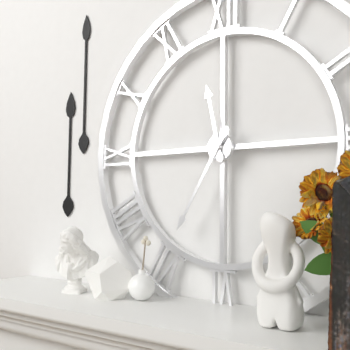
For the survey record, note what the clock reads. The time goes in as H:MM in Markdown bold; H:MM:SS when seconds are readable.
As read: **11:35**
